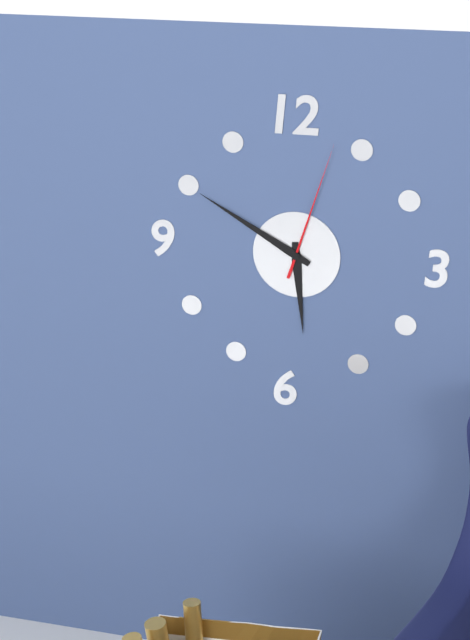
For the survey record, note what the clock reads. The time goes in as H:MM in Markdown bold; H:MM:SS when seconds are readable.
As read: **5:50:03**
